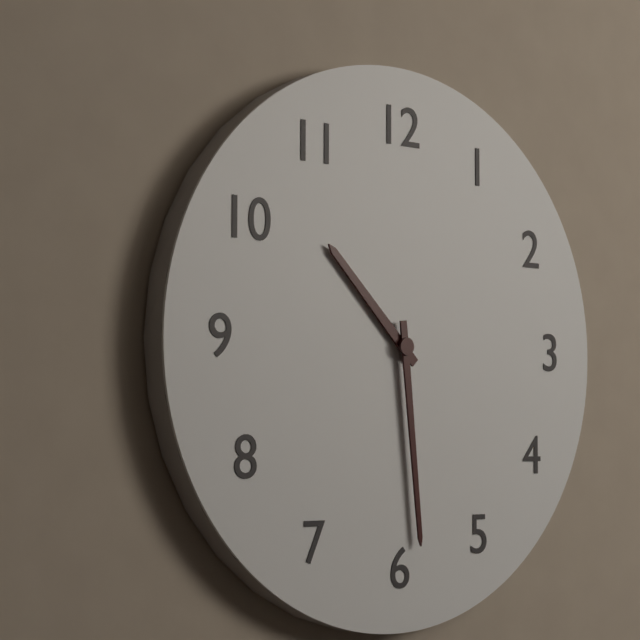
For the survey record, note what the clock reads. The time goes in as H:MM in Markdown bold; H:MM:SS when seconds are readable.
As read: **10:29**
